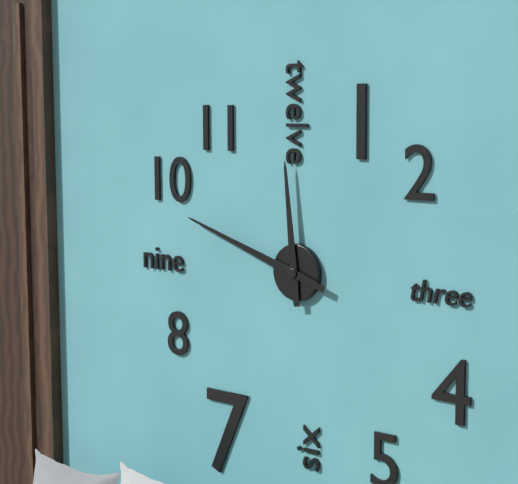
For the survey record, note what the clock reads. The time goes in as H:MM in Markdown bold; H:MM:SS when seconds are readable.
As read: **11:48**
